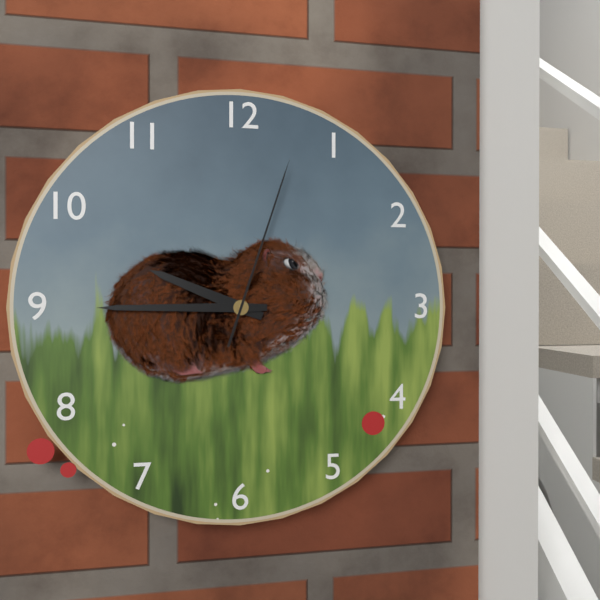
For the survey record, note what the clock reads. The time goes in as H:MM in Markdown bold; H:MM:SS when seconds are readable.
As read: **9:45:03**
